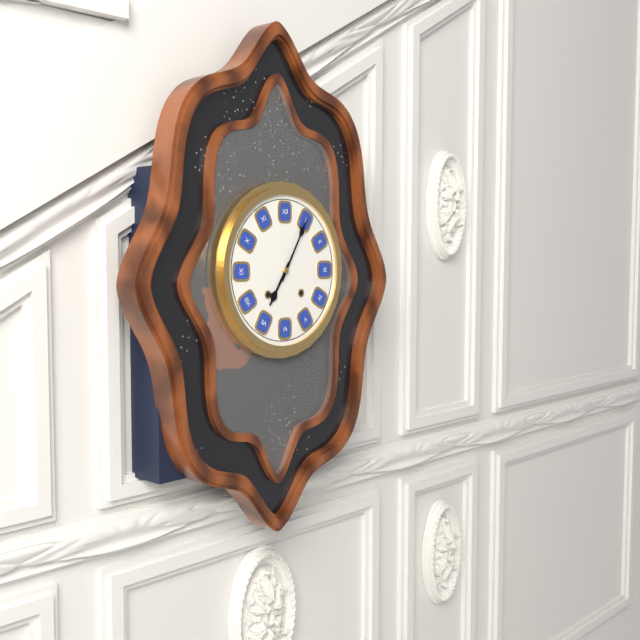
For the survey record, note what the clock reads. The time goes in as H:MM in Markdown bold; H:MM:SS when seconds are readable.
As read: **7:05**
